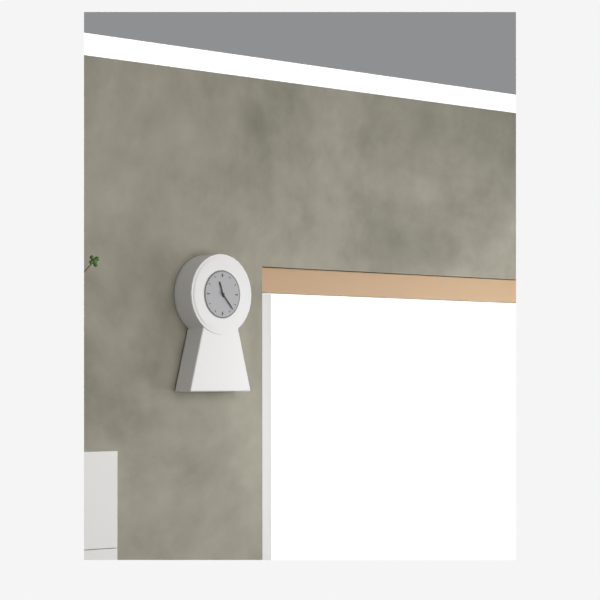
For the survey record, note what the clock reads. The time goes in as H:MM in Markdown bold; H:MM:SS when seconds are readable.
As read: **11:23**
